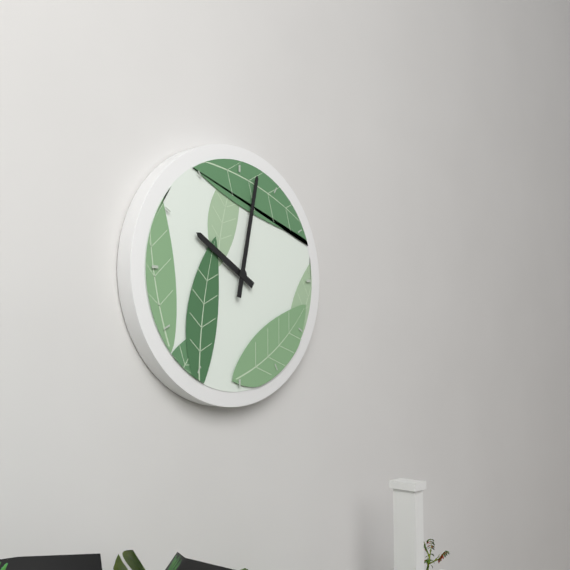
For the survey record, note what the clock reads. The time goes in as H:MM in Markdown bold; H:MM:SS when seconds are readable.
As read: **10:02**
